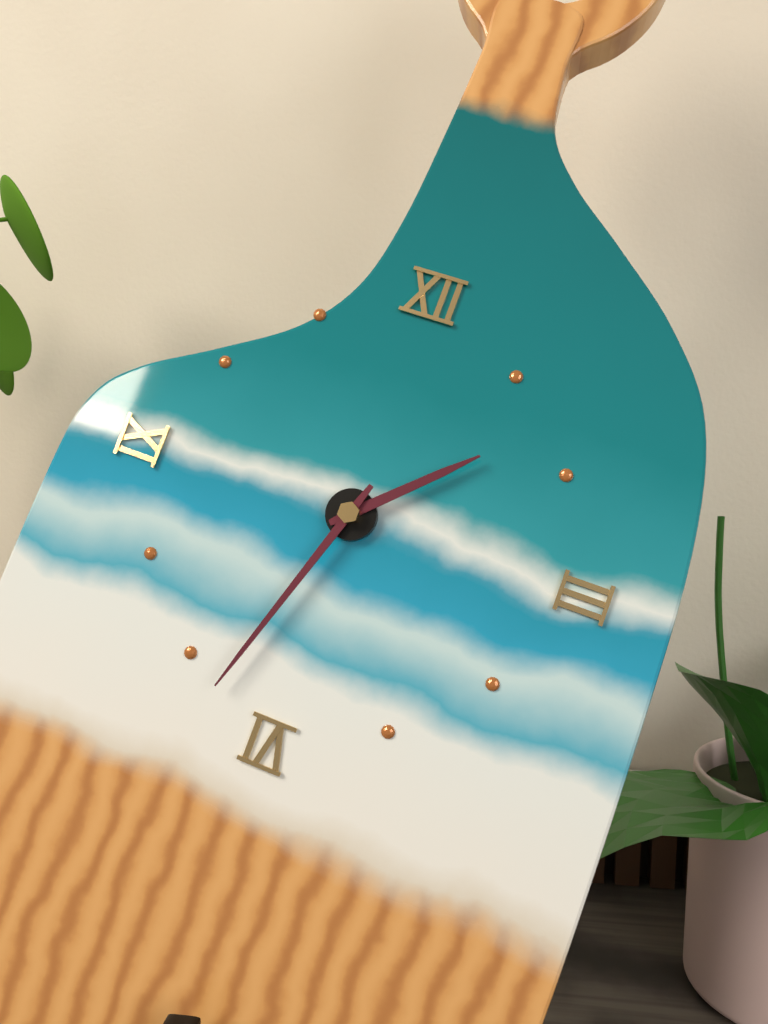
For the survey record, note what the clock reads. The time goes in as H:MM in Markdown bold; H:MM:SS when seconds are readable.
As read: **1:33**
